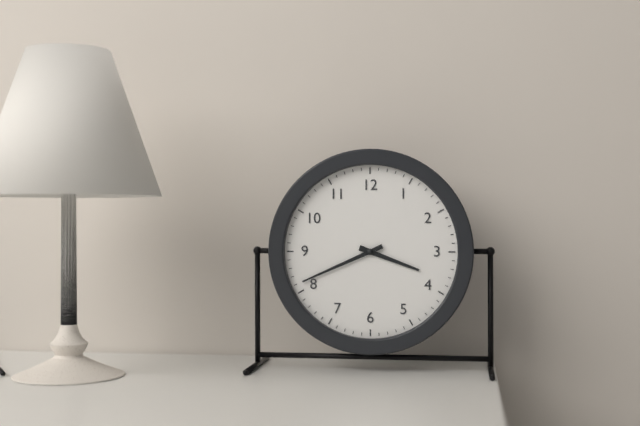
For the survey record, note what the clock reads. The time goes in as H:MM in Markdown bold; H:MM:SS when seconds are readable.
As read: **3:41**
